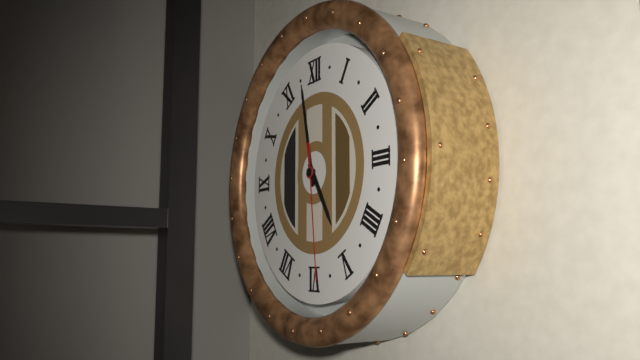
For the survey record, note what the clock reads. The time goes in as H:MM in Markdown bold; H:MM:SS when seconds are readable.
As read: **4:58:29**
